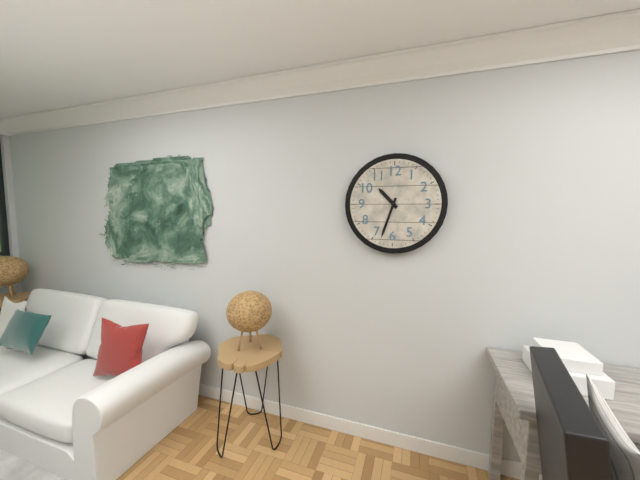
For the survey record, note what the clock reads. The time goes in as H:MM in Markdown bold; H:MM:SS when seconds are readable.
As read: **10:33**
